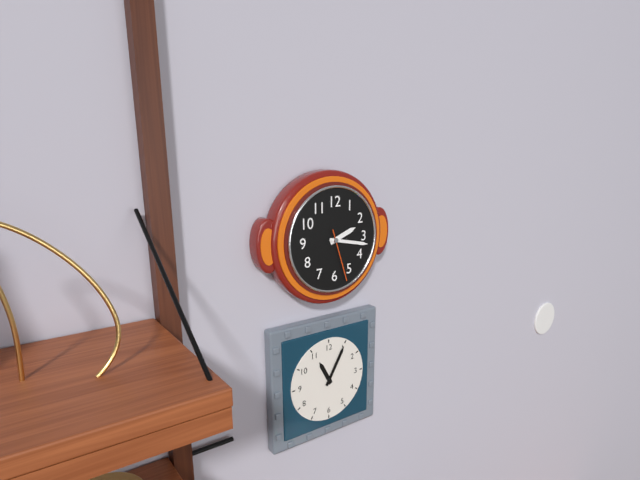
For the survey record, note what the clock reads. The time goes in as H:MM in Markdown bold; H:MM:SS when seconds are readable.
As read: **2:17:27**
